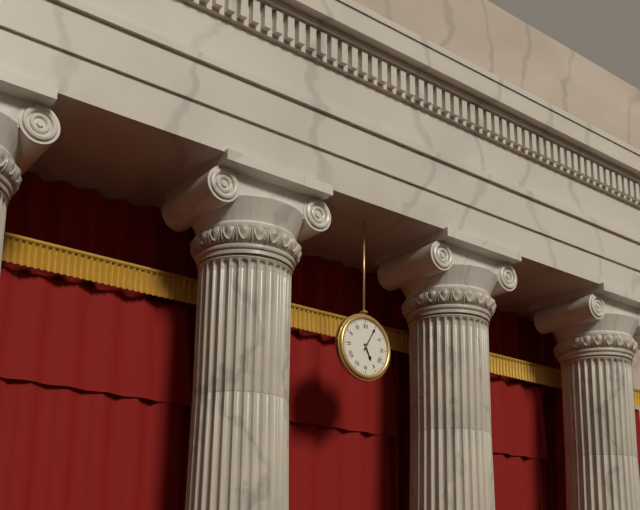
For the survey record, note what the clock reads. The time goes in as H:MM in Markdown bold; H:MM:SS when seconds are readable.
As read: **5:05**
